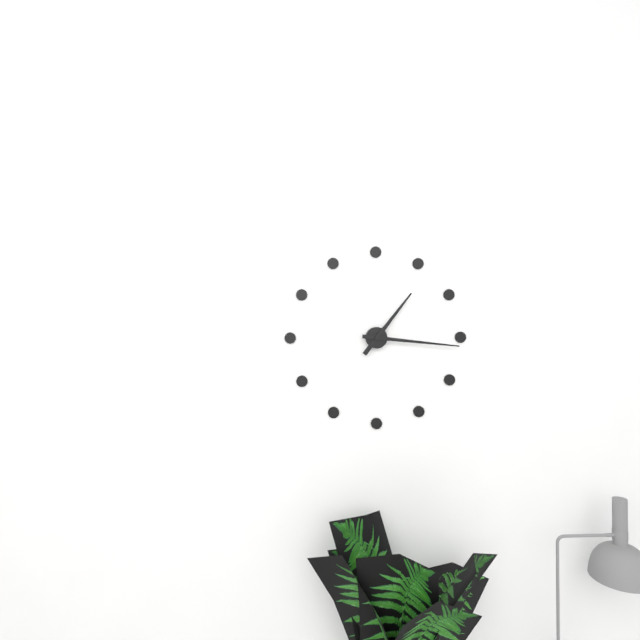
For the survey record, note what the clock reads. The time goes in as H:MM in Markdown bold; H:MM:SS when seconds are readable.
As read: **1:16**
